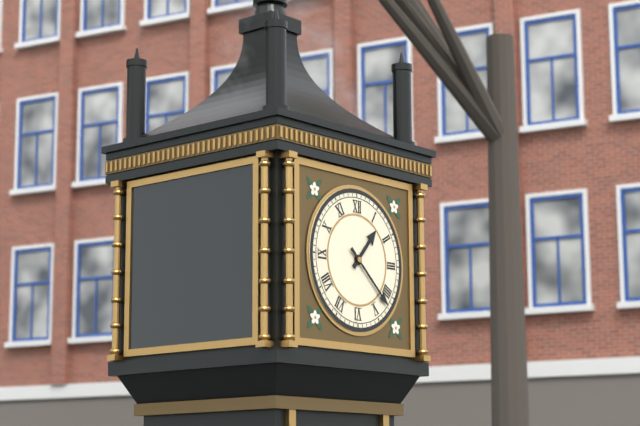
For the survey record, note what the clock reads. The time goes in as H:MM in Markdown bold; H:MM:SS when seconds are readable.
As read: **1:22**
